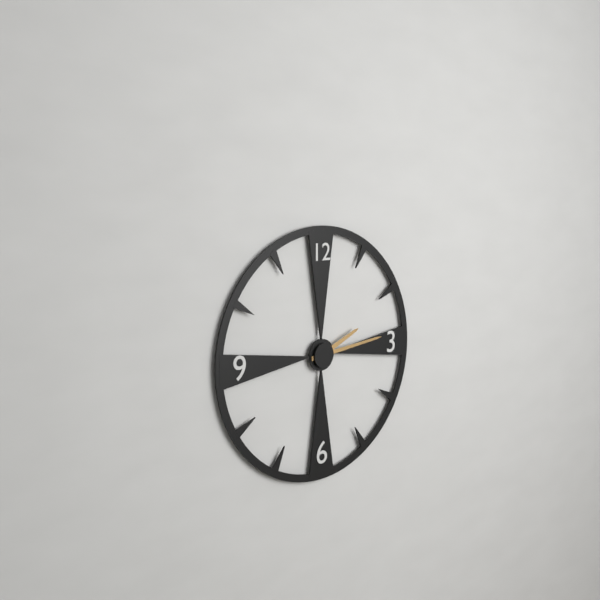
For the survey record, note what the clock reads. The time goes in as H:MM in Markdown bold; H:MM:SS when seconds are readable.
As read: **2:14**
